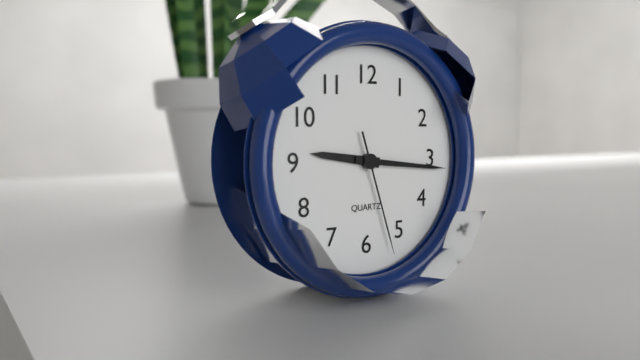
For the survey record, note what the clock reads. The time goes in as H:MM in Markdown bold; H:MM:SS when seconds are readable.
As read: **9:16:27**
